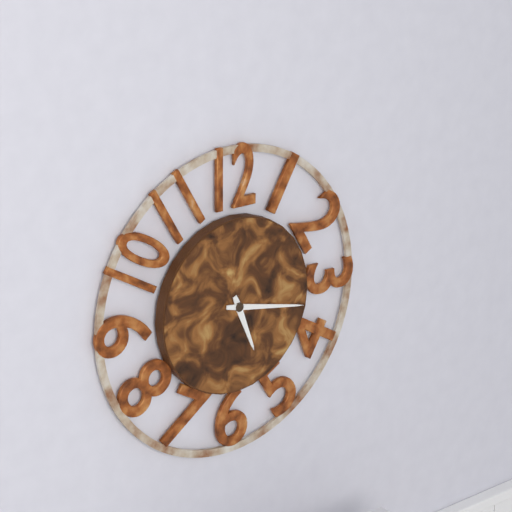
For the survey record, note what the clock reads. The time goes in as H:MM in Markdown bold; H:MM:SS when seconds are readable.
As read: **5:17**
